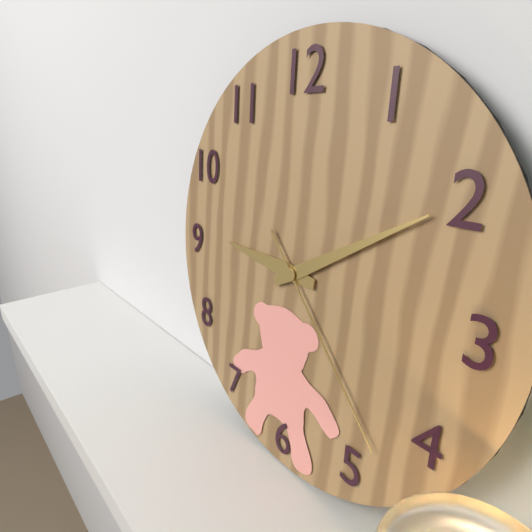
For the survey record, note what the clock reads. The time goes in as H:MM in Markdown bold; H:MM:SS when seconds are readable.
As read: **9:10:23**
